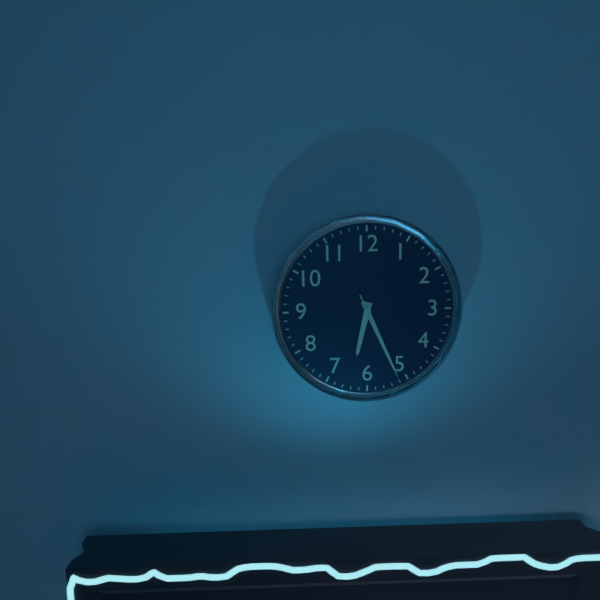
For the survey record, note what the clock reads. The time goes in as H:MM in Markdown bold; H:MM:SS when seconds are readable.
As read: **6:26:26**
